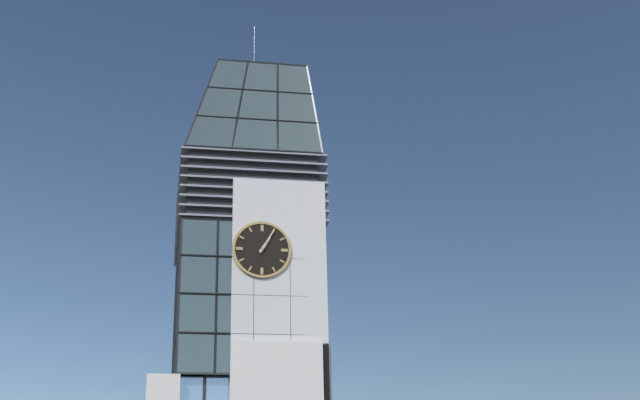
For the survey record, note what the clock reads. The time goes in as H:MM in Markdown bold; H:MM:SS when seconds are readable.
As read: **1:05**
